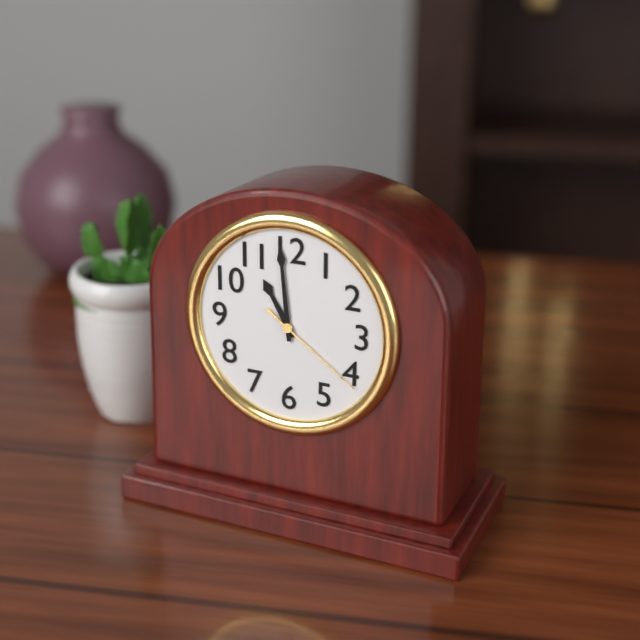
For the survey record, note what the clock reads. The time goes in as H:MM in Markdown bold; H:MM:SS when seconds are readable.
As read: **10:59:21**
